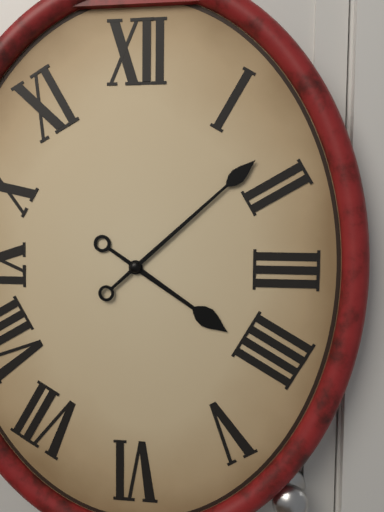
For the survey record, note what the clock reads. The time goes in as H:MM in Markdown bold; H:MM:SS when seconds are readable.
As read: **4:08**
